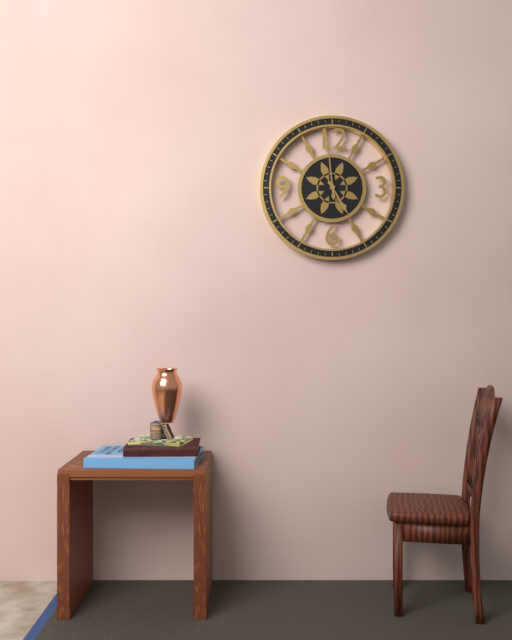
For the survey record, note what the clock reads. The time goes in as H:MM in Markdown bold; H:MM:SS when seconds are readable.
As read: **4:59**
